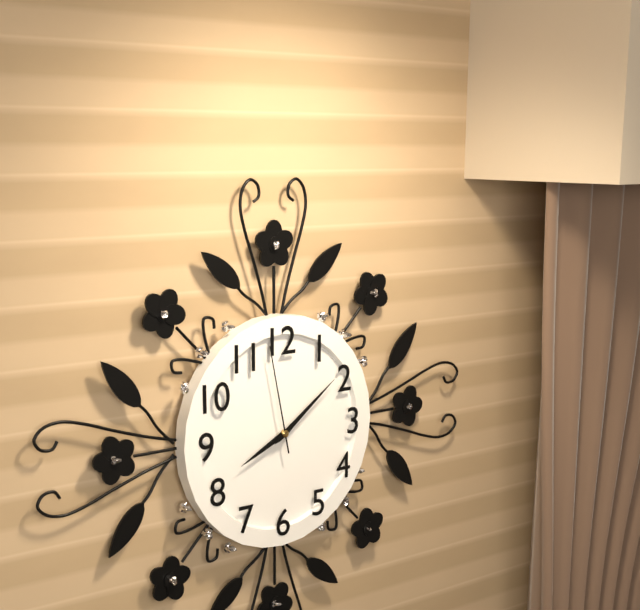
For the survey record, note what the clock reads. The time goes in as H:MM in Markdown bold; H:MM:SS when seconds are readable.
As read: **8:09:58**
